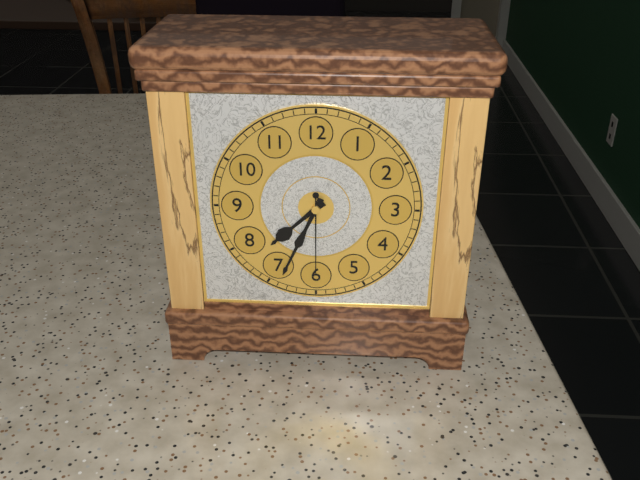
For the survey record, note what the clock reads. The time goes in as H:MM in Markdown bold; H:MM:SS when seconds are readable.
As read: **7:34:30**
